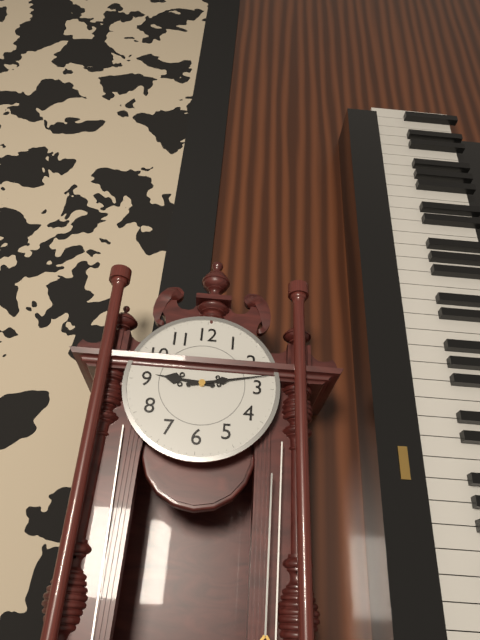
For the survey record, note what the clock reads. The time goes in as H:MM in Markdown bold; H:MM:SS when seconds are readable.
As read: **9:13**
